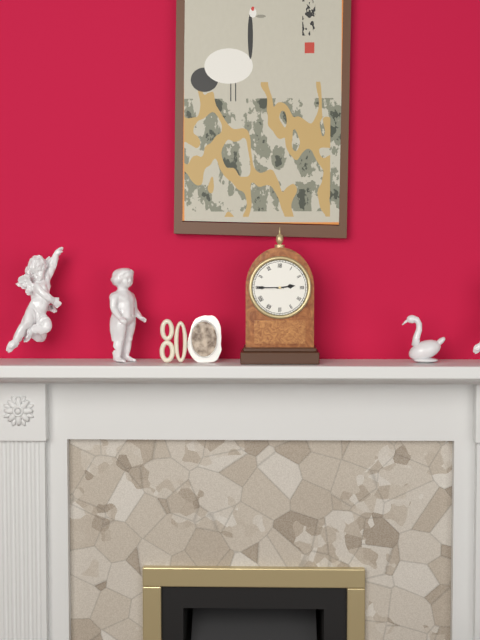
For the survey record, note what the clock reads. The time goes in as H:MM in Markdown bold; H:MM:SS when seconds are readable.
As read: **2:45**
